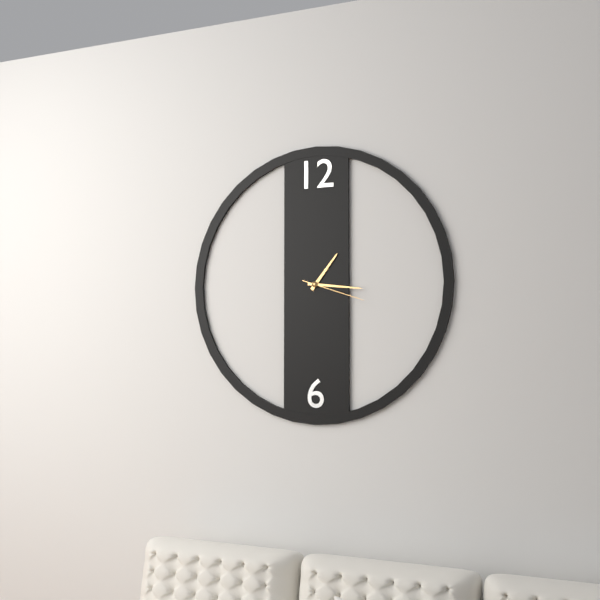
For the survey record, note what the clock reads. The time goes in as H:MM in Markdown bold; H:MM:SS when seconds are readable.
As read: **1:16:18**
